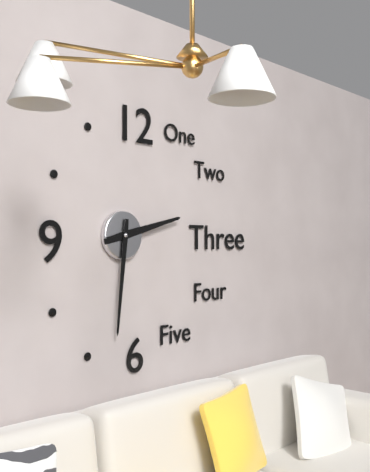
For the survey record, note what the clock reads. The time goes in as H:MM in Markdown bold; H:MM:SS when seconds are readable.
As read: **2:31**
